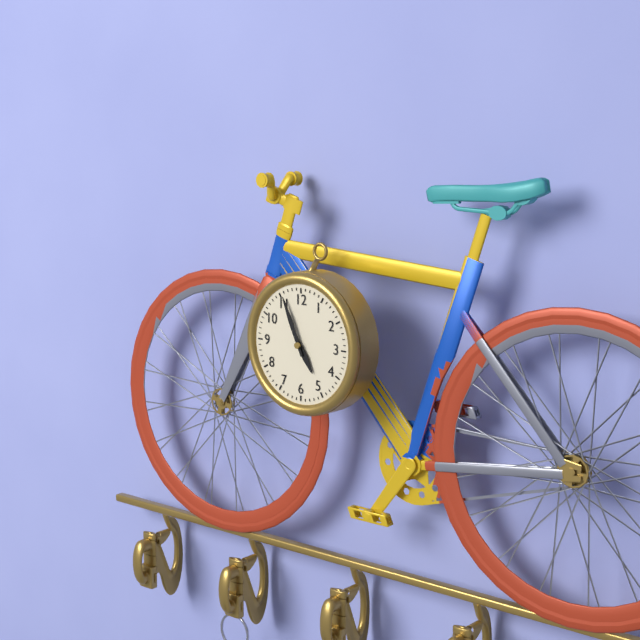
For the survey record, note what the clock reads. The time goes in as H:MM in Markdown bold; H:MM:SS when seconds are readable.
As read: **4:56**
